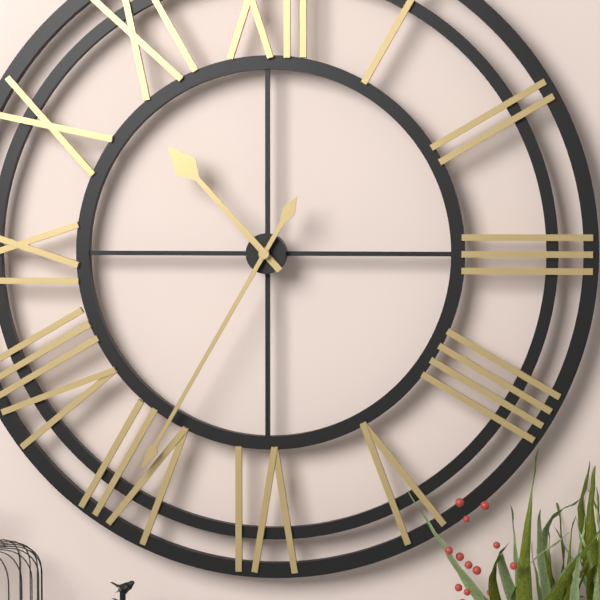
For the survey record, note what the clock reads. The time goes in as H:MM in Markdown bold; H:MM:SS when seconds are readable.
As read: **10:35**
